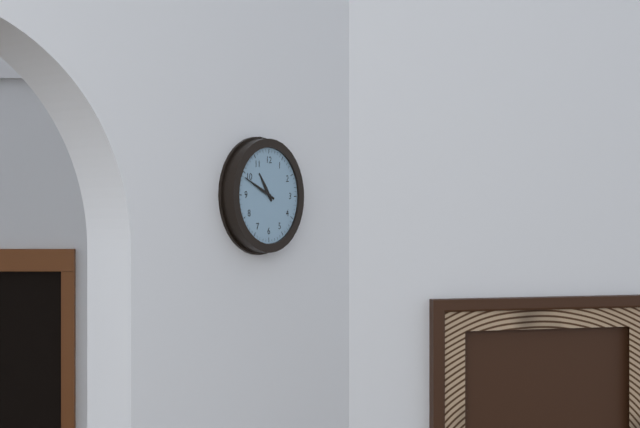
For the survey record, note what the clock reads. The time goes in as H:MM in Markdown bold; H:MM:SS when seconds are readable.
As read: **10:49**
